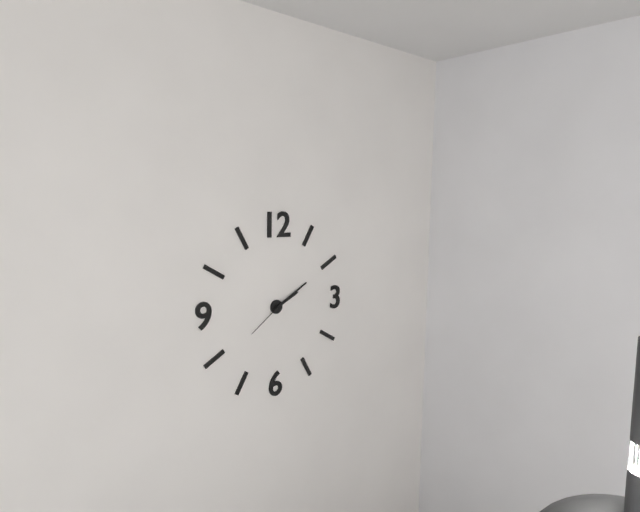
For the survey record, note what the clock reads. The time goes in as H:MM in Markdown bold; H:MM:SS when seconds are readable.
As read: **2:10**
